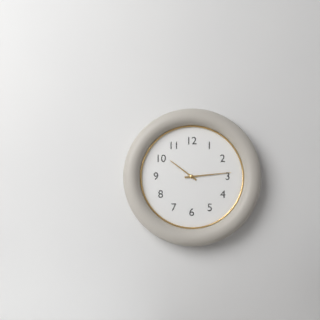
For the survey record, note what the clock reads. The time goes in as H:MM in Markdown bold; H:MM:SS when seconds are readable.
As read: **10:14**
